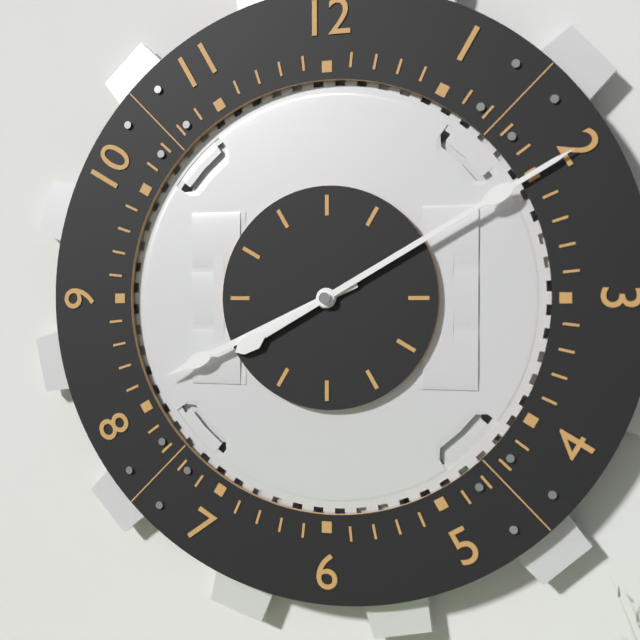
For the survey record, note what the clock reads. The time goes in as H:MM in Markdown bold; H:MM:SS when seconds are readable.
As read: **8:10**
